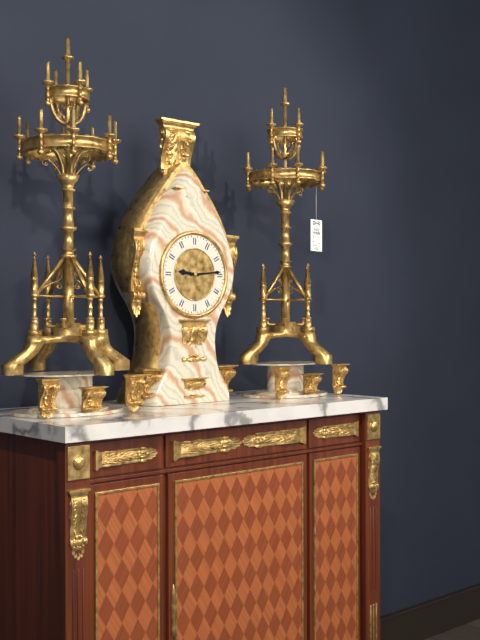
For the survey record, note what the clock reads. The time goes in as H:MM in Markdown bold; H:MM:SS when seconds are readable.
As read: **9:14**
